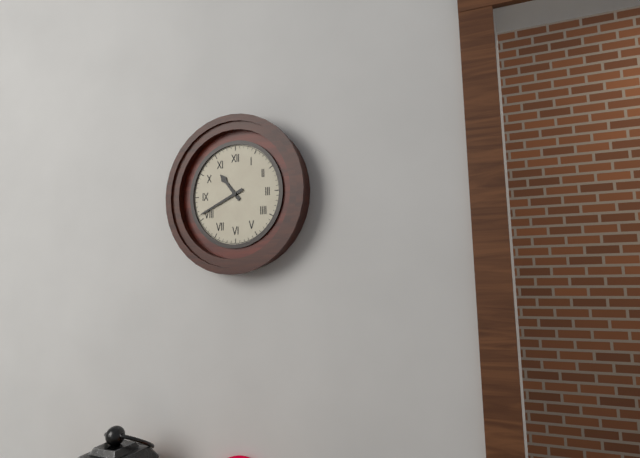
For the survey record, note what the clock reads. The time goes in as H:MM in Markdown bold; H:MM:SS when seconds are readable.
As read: **10:41**
